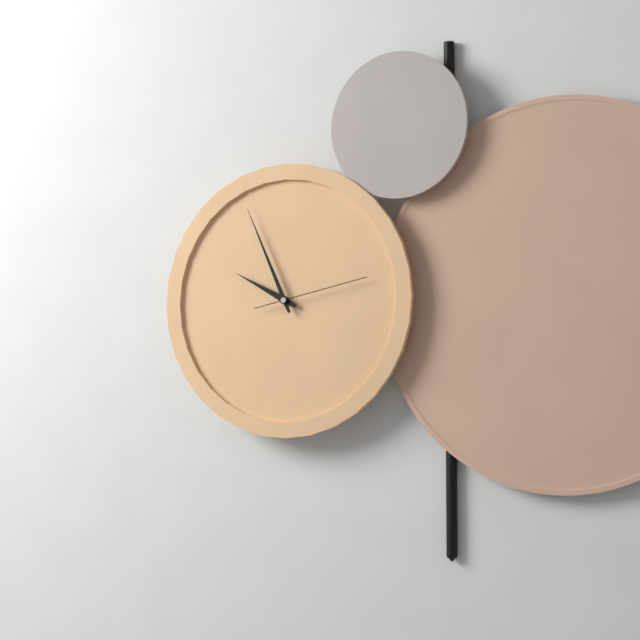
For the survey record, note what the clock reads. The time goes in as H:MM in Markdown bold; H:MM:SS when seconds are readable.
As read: **9:56:13**
